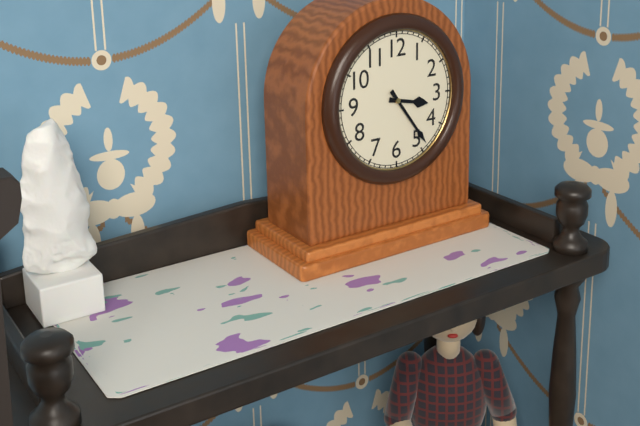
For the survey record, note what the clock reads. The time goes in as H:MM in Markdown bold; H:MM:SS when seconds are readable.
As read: **3:24**
